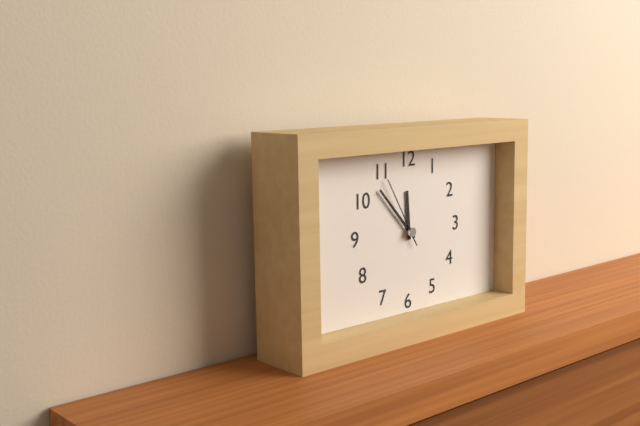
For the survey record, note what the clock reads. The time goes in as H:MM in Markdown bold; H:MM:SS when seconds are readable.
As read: **11:53:55**
